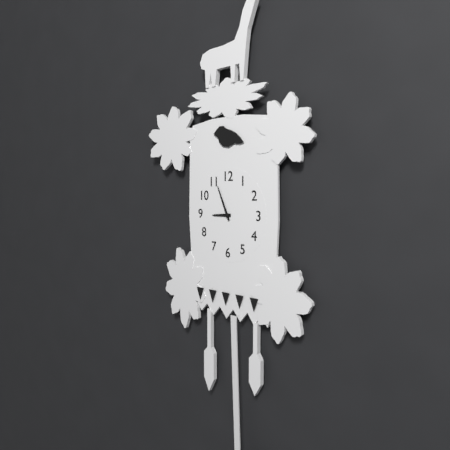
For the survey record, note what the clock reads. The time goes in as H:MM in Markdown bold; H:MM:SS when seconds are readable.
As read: **8:56**
